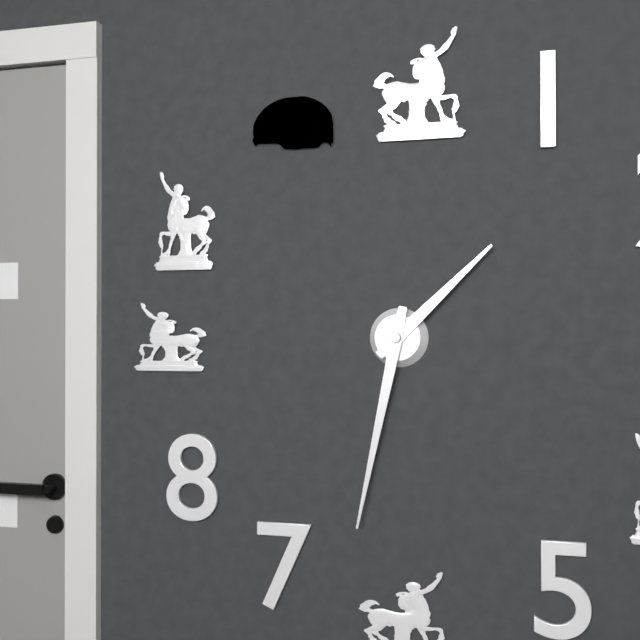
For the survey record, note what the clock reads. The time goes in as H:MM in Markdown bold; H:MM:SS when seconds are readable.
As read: **1:32**
